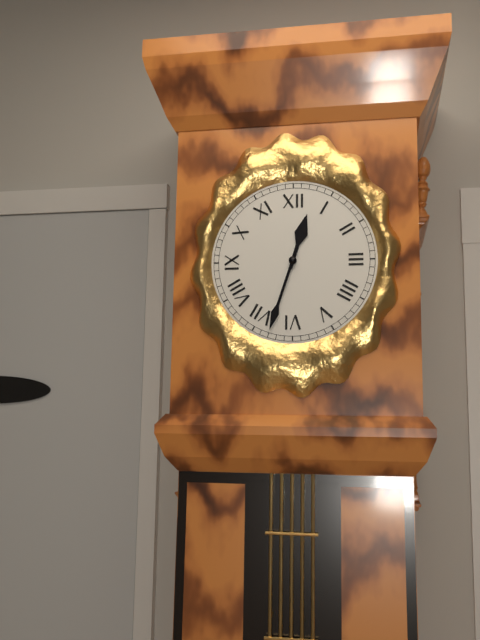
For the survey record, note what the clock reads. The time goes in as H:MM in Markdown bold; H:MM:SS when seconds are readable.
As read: **12:33**
